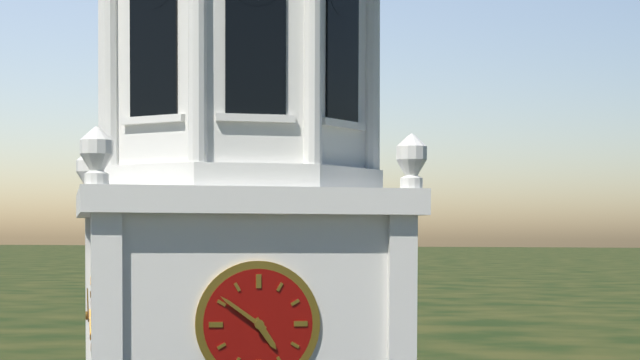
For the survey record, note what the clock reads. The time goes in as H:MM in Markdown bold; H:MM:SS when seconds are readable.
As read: **4:51**
